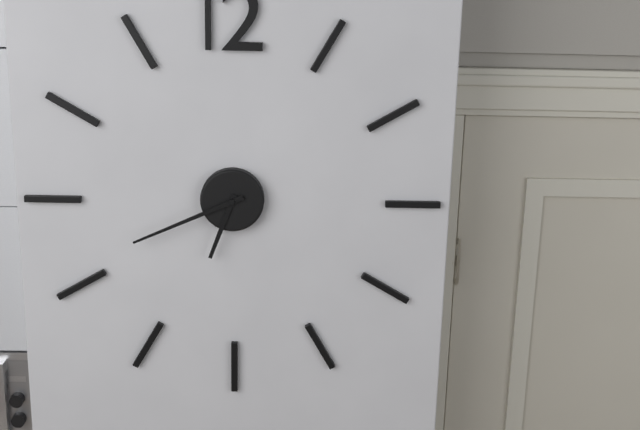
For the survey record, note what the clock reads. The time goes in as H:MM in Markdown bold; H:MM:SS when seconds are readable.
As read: **6:41**
